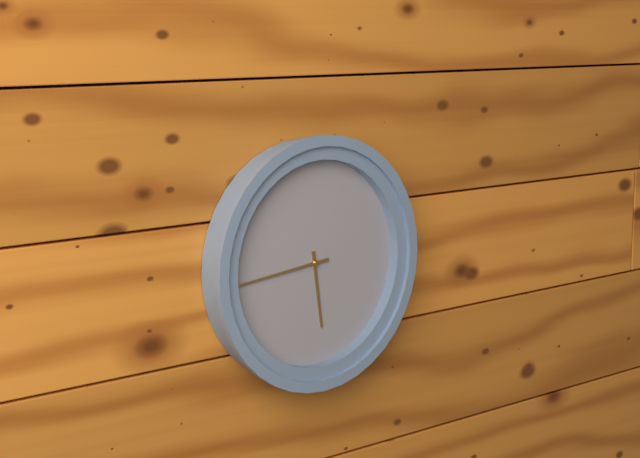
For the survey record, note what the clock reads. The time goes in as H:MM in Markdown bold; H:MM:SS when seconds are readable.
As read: **5:44**
